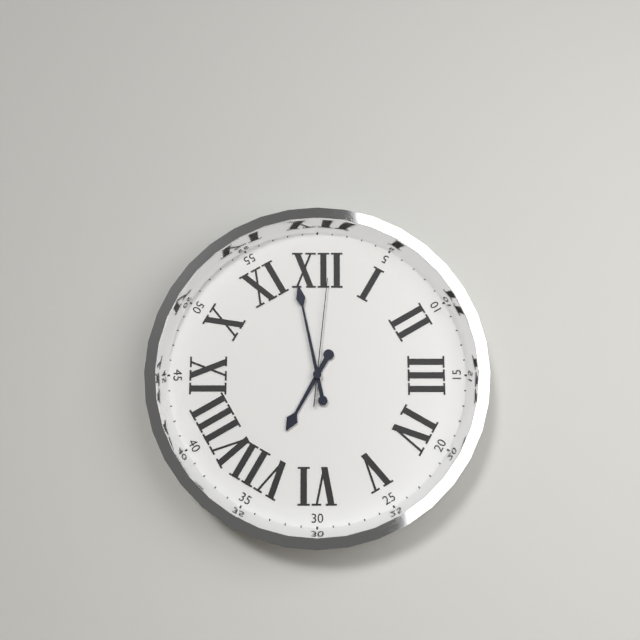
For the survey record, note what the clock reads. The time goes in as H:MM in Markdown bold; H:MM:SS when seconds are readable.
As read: **6:58:01**
